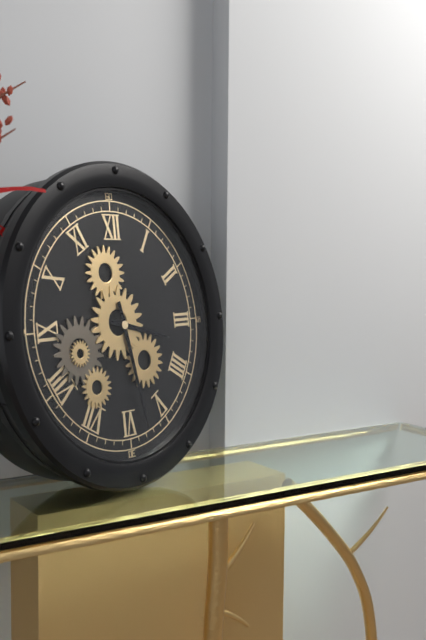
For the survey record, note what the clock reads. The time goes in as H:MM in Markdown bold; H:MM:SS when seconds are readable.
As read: **3:28**
